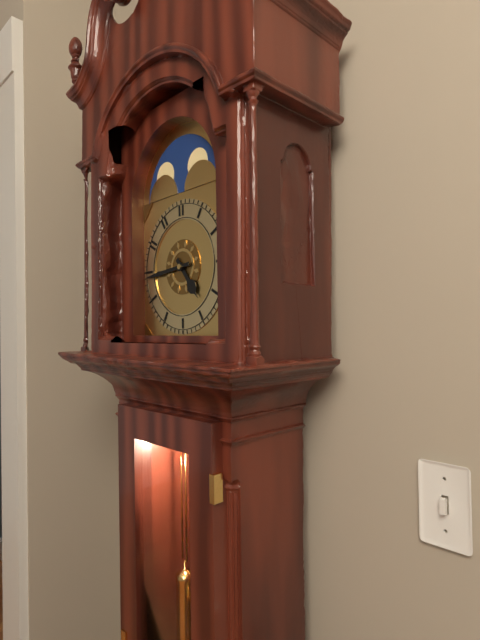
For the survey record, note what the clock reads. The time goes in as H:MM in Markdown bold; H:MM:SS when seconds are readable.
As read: **4:44**
